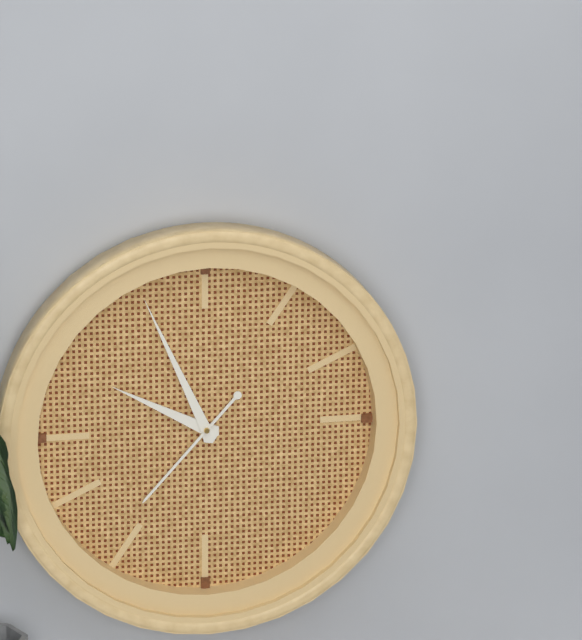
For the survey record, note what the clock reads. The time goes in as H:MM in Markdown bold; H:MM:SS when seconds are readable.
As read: **9:56:37**
